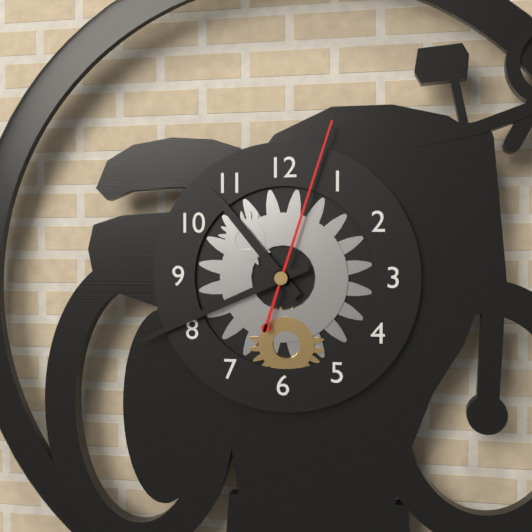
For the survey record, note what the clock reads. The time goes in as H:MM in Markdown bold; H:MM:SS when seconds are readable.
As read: **10:41:03**
